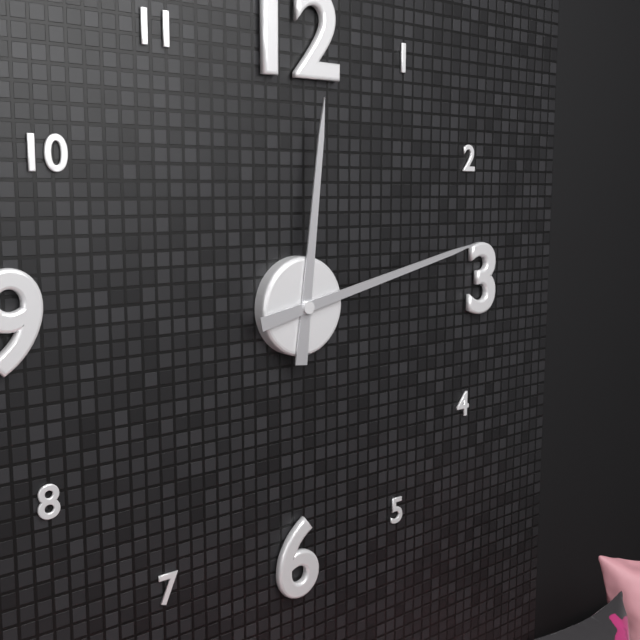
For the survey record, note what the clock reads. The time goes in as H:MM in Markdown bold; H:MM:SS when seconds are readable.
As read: **12:13**
